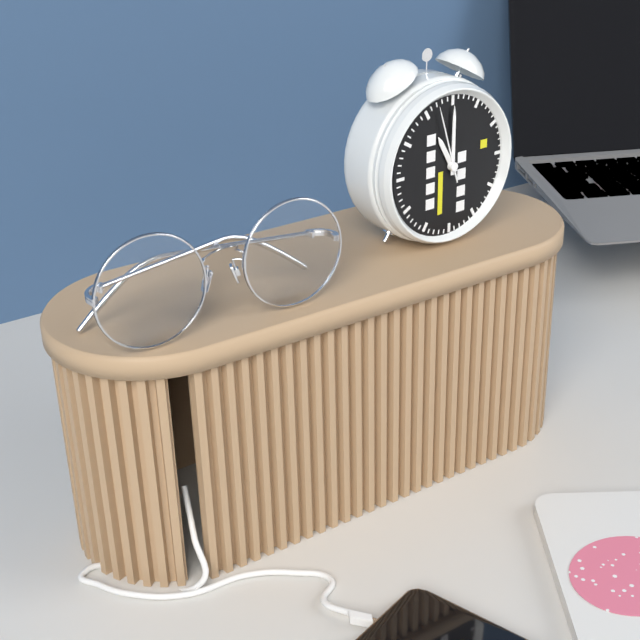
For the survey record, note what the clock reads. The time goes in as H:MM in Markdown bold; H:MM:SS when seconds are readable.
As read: **11:00:57**
